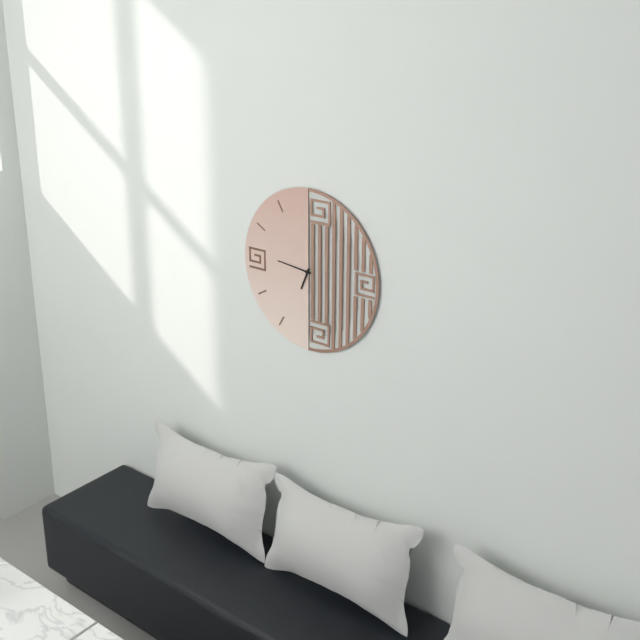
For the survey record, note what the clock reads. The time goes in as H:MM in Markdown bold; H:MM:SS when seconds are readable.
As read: **6:46**
